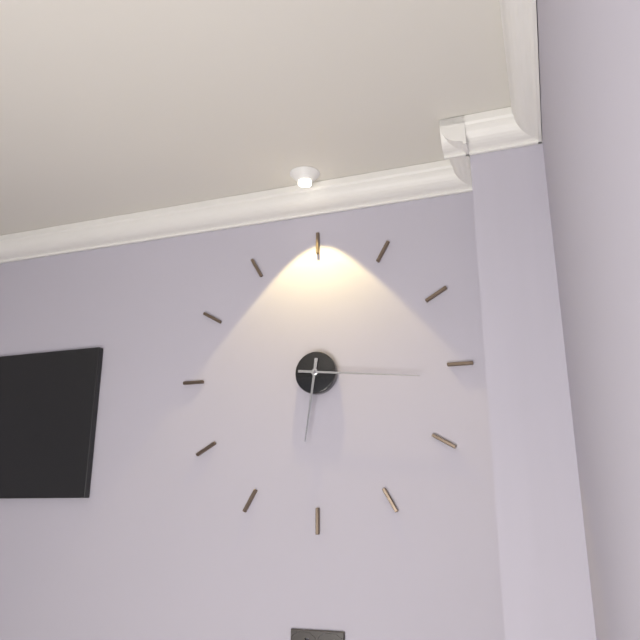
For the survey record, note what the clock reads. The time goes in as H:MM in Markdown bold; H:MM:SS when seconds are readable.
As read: **6:16**
